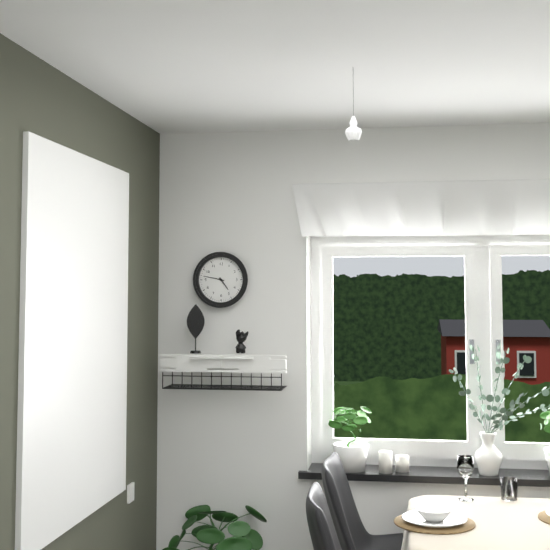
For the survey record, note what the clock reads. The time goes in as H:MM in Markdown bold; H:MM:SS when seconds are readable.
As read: **4:47**
